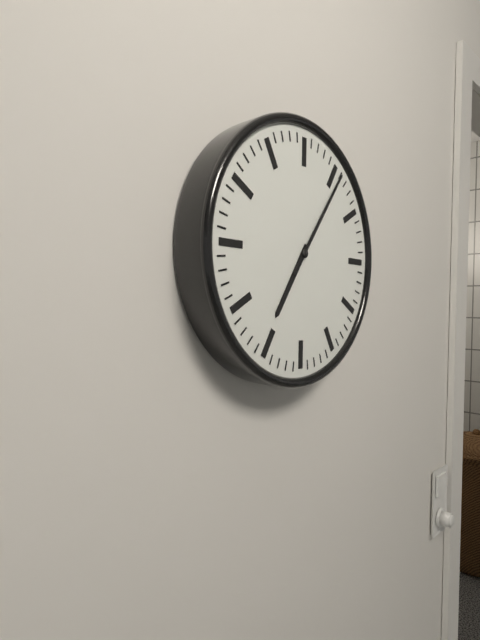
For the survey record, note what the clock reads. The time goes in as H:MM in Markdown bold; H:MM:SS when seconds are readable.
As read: **7:06**
